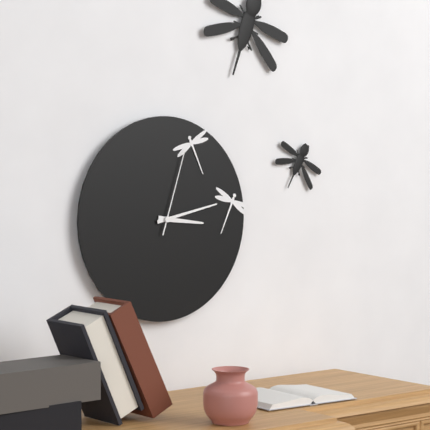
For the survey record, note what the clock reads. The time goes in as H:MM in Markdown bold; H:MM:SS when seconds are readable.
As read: **3:13:03**
